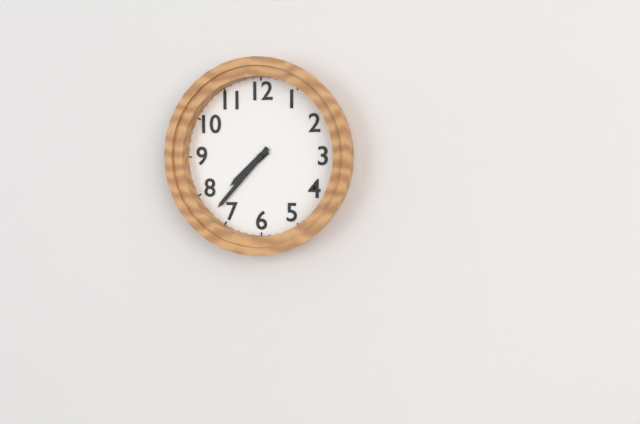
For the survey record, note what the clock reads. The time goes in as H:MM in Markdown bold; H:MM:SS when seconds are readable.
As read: **7:37**
